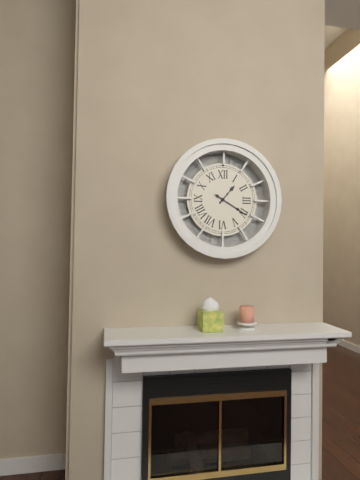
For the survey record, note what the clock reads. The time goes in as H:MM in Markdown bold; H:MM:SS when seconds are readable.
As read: **1:20**
